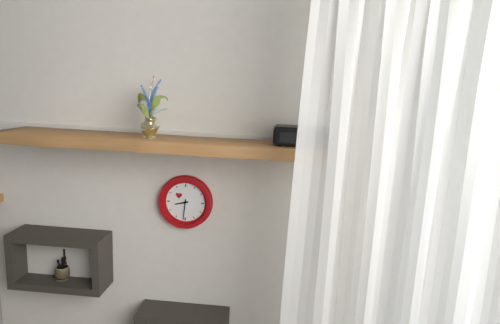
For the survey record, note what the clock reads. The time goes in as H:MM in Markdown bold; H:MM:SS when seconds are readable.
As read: **8:31**
